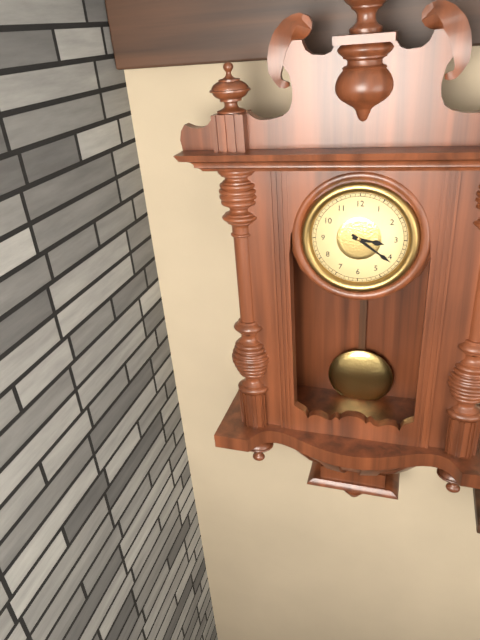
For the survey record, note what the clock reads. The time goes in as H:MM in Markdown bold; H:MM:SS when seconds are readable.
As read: **3:21**
